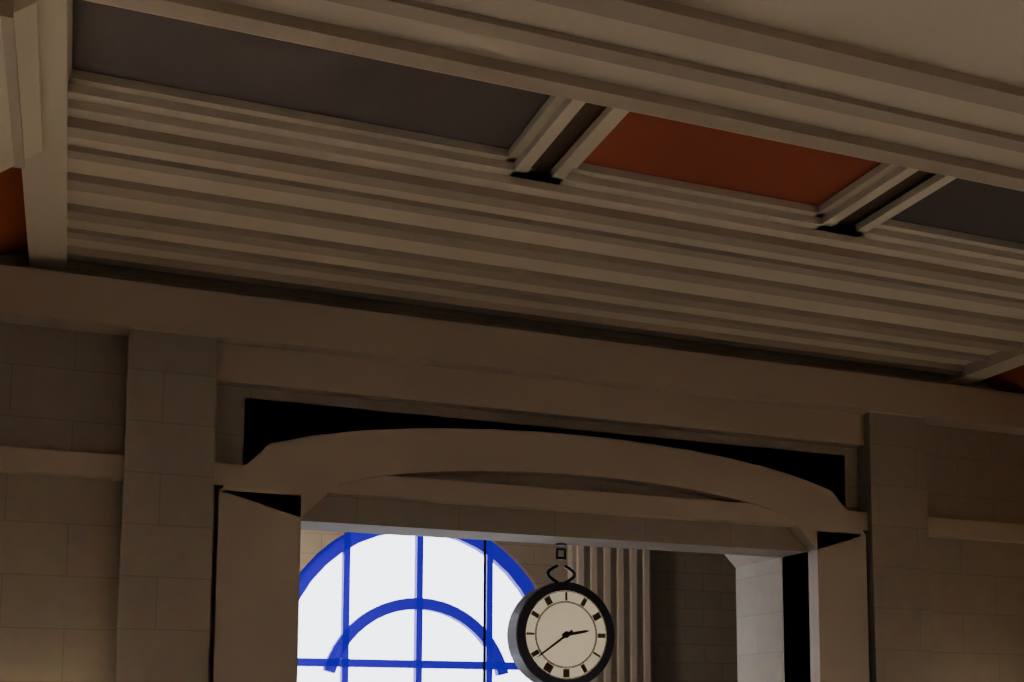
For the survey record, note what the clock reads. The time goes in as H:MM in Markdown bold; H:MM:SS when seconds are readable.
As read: **2:39**
